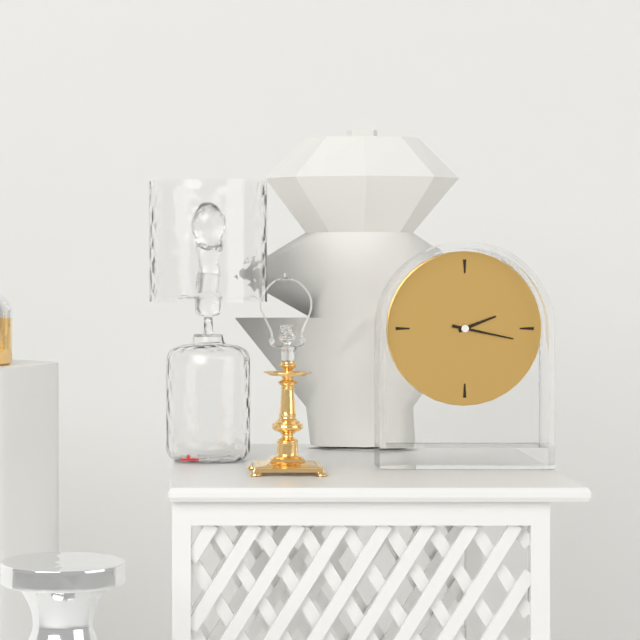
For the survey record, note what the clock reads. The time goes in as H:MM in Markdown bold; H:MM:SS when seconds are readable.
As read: **2:17**
